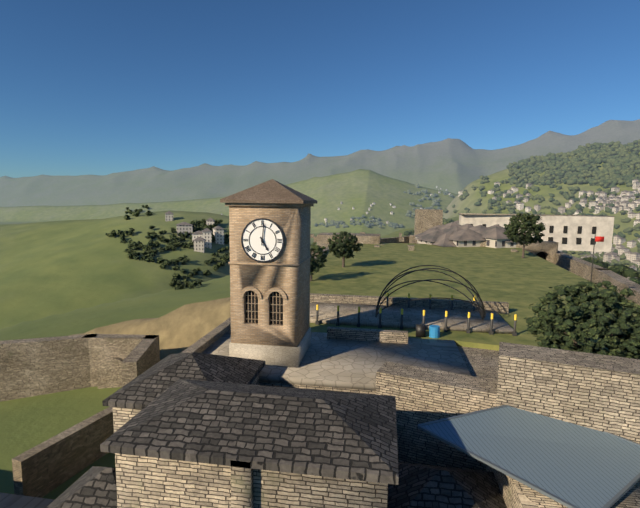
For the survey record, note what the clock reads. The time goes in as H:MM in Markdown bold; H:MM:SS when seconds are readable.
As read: **5:01**
